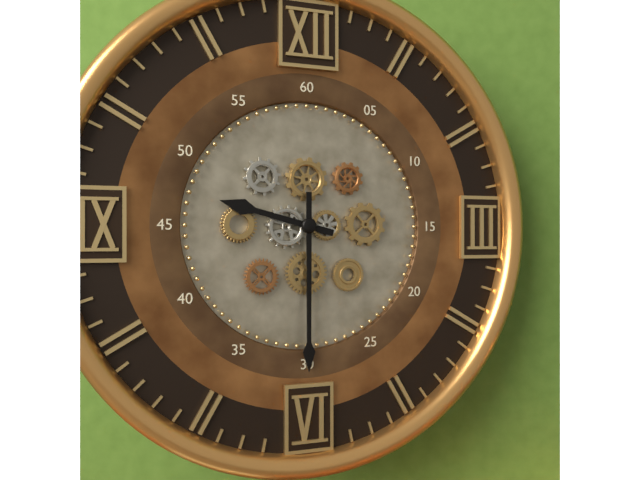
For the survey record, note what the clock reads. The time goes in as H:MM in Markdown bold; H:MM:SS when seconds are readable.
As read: **9:30**
